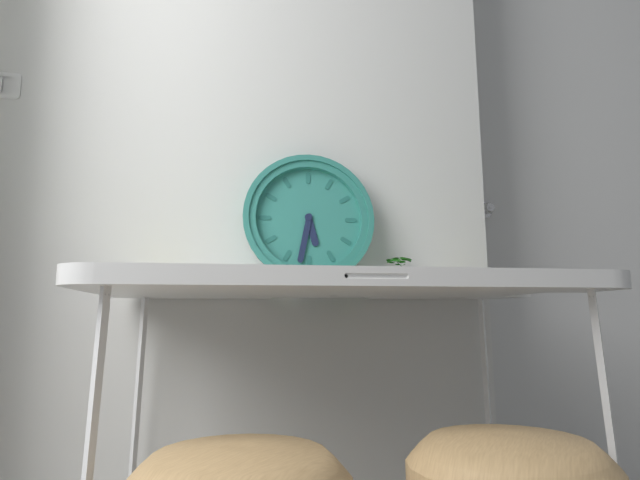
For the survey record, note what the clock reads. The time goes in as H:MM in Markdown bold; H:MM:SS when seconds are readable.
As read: **5:32**
